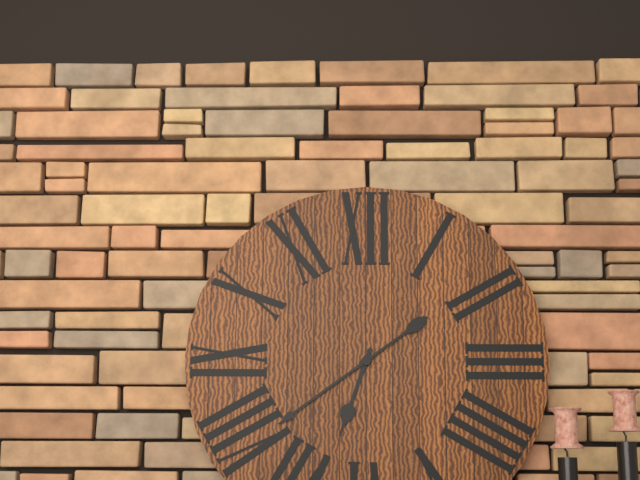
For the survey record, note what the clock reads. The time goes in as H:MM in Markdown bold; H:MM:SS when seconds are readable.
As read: **6:39**
